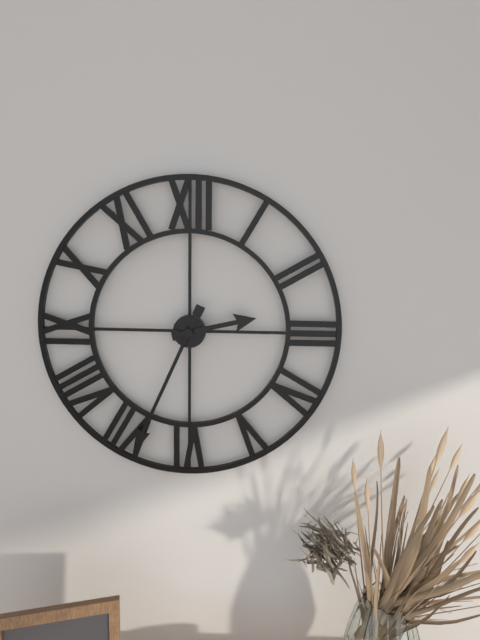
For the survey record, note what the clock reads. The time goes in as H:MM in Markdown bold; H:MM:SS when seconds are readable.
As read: **2:34**
